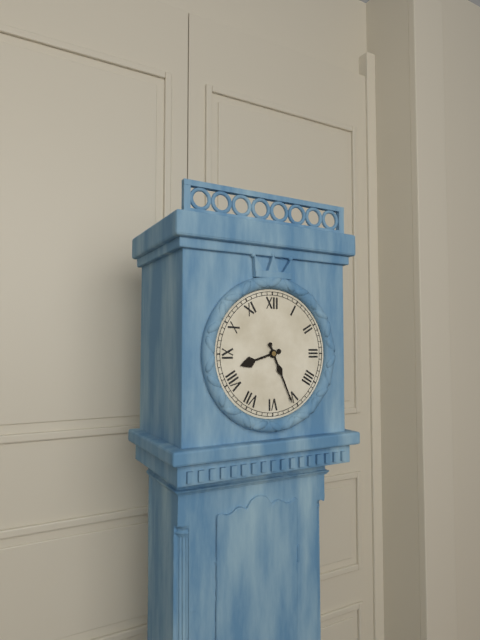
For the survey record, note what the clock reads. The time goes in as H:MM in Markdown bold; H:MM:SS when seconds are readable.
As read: **8:26**
